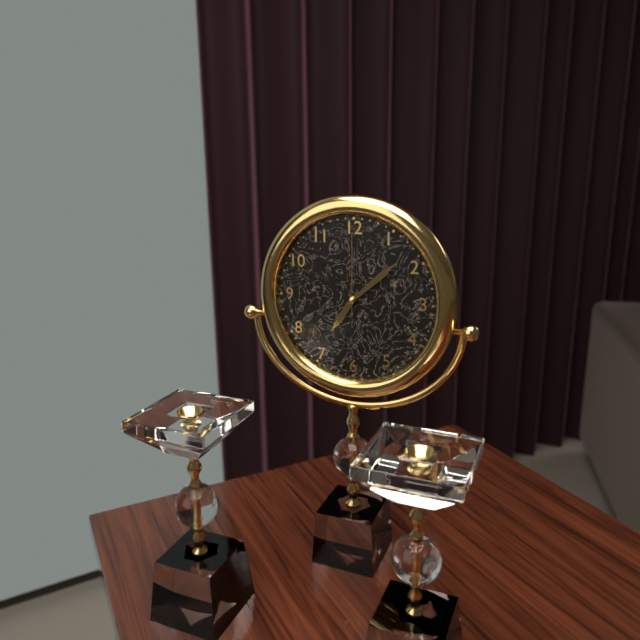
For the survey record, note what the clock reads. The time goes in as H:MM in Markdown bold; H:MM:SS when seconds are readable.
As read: **7:08:00**
